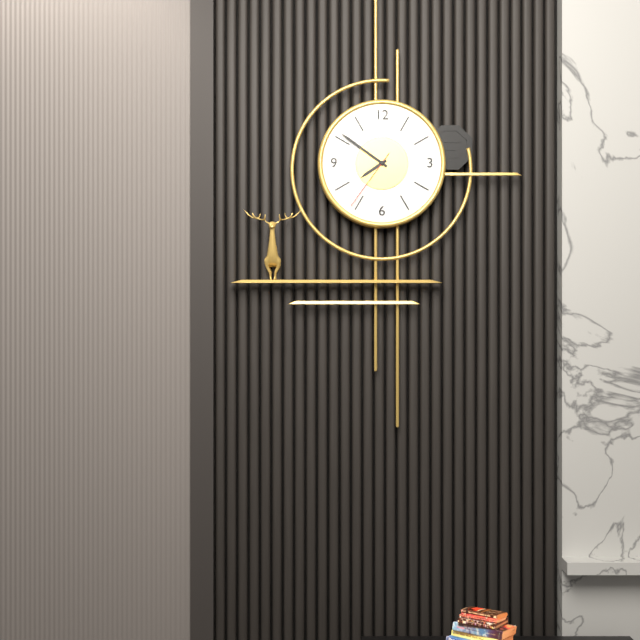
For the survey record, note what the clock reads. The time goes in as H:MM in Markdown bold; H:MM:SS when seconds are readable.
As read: **7:51:36**
